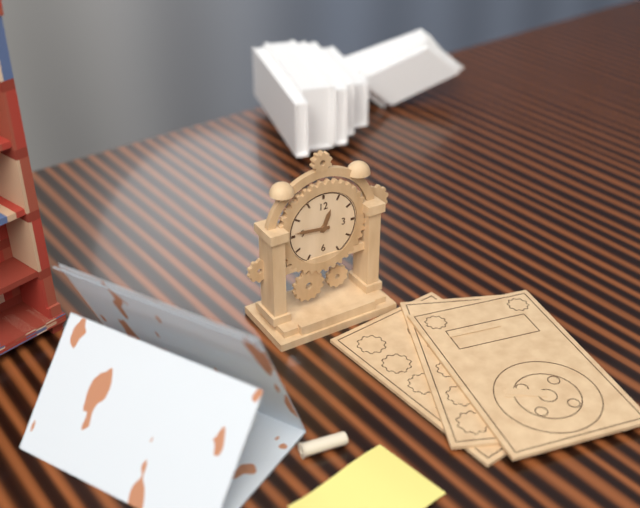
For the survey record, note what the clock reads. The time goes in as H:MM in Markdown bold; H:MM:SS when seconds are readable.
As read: **12:46**
